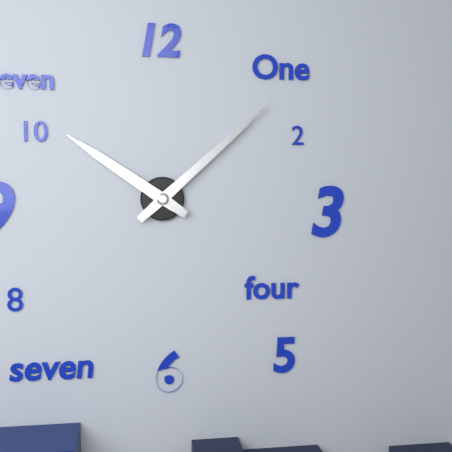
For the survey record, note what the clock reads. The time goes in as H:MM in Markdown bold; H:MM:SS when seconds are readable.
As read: **10:08**
